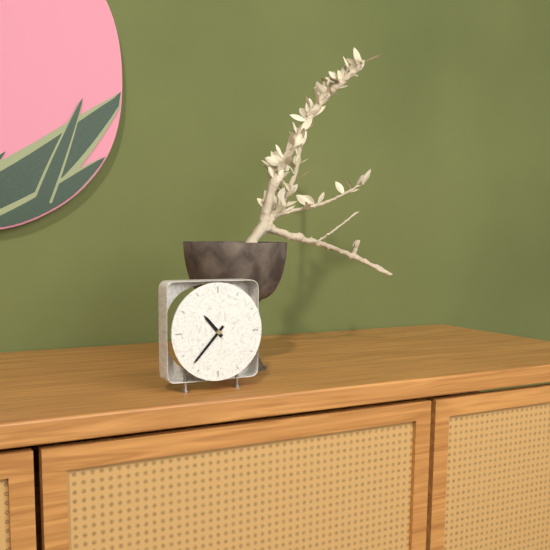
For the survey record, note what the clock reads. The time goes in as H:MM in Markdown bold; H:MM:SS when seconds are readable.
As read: **10:37**
